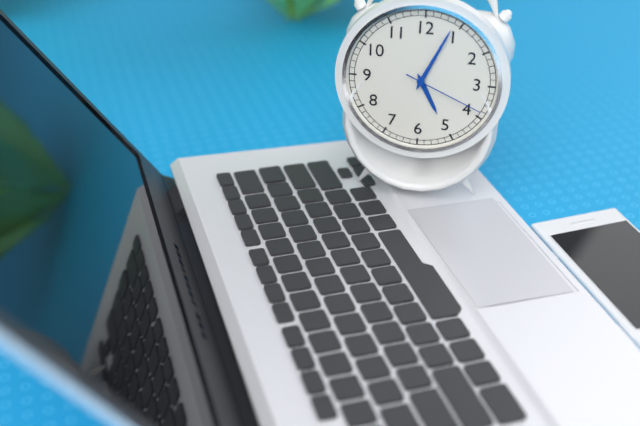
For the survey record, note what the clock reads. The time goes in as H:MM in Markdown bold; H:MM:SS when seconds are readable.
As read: **5:04:19**
